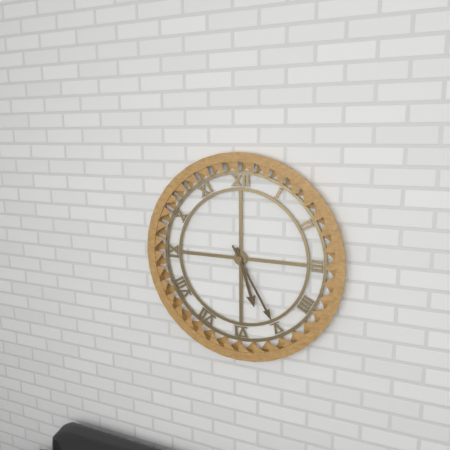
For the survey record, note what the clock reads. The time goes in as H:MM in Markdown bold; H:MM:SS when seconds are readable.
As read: **5:25**
